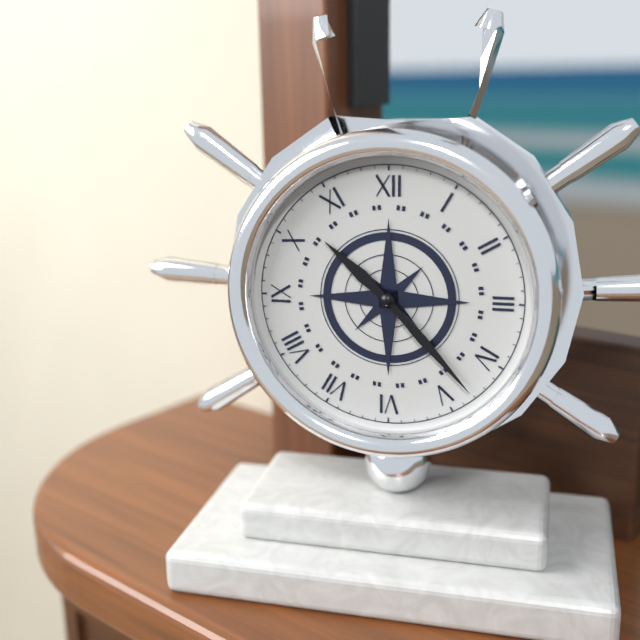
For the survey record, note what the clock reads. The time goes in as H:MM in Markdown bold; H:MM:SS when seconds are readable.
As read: **10:23**
